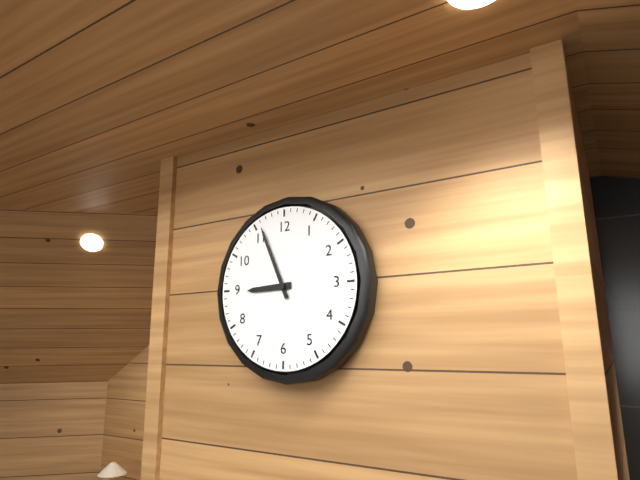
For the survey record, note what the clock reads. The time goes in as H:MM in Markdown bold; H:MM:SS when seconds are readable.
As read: **8:56**
